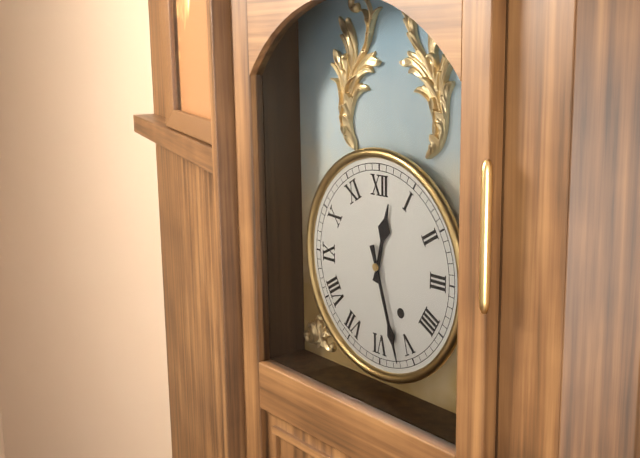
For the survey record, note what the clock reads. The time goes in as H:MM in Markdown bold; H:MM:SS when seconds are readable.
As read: **12:27**
